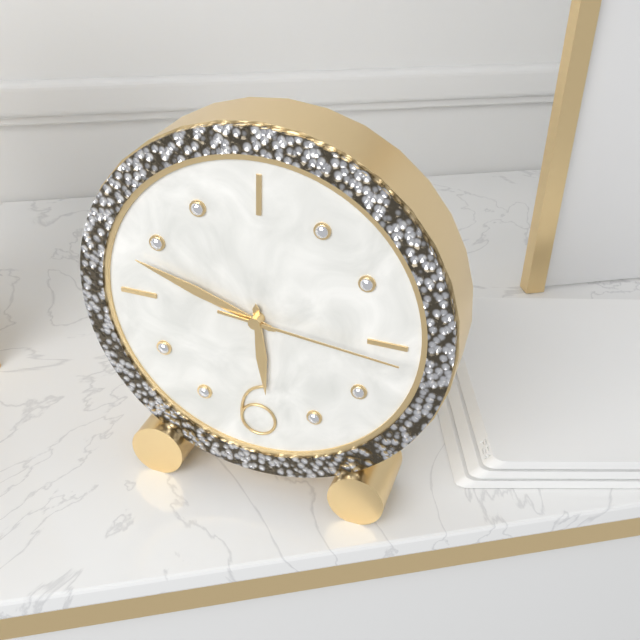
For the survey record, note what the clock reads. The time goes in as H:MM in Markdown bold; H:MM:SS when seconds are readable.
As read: **5:48:16**
